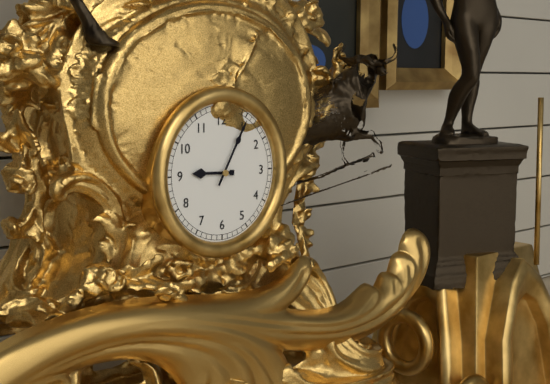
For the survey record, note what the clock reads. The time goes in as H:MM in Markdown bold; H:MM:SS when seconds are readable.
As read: **9:05**
